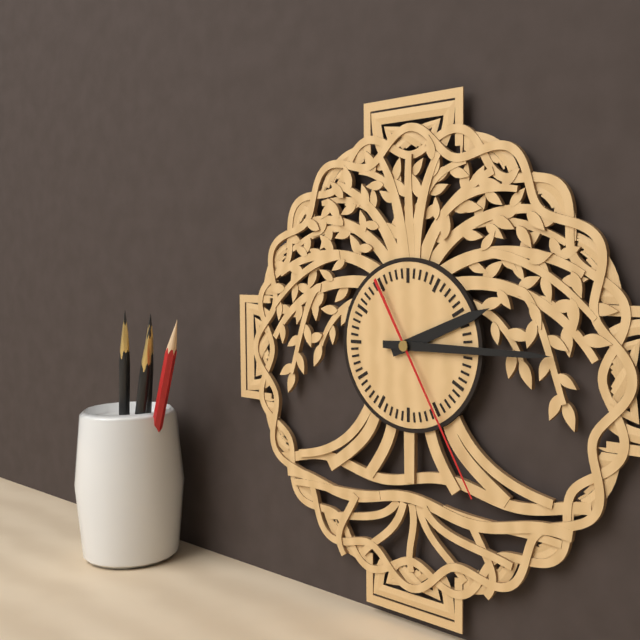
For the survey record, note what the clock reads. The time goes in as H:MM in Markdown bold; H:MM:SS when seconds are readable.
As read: **2:15:25**
